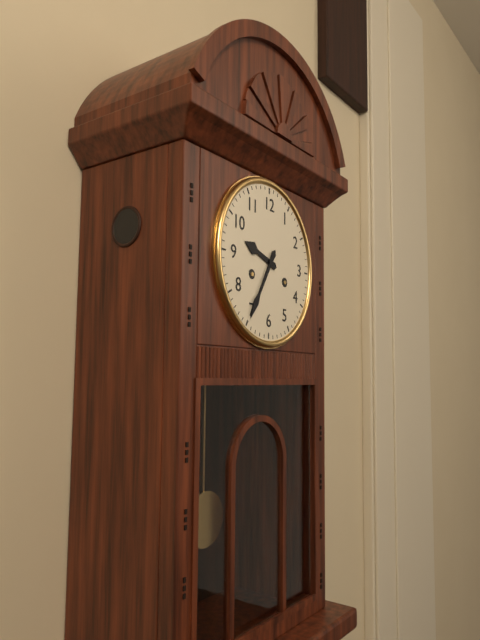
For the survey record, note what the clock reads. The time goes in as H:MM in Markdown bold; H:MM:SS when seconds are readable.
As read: **9:35**
